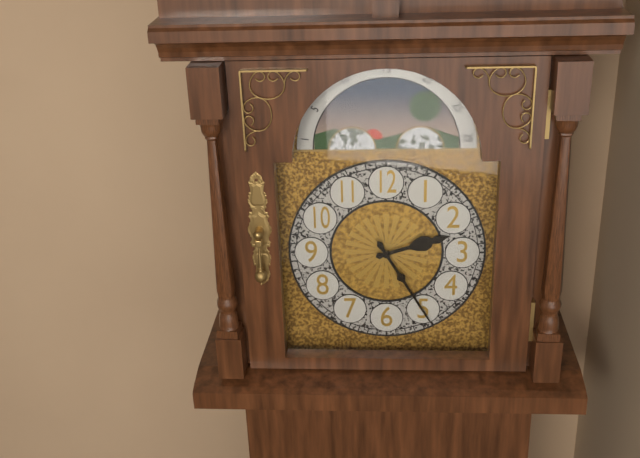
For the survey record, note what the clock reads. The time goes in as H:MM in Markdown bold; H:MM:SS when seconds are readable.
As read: **2:25**
